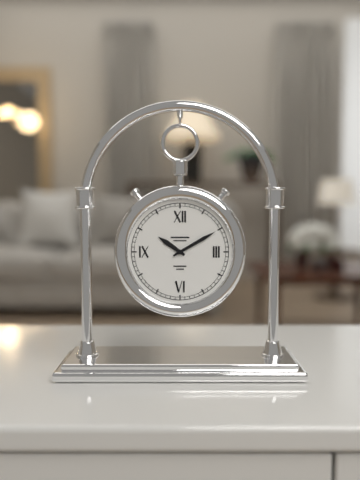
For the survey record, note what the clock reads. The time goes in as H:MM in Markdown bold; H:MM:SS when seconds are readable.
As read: **10:10**
